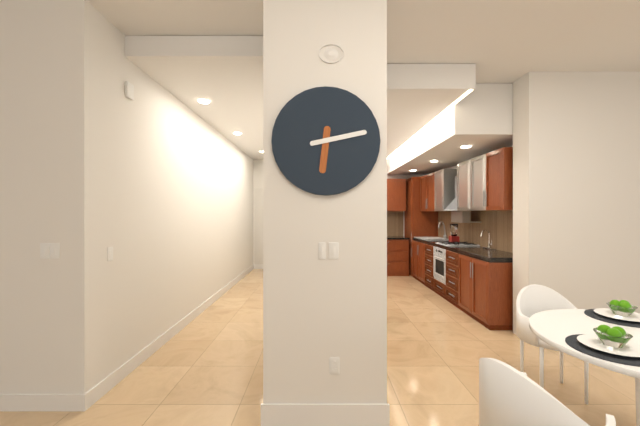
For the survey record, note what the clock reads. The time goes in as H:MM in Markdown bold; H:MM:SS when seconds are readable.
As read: **6:13**
